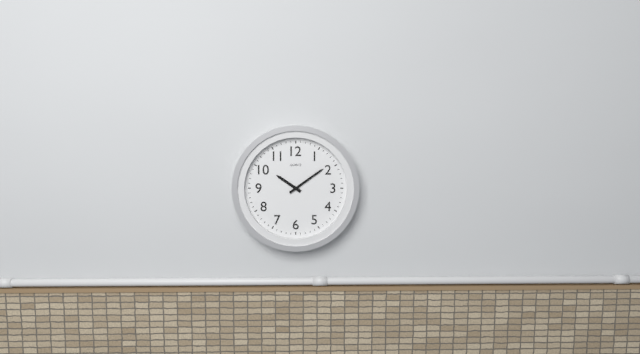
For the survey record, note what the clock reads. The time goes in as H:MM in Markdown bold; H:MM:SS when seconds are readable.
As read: **10:09**
